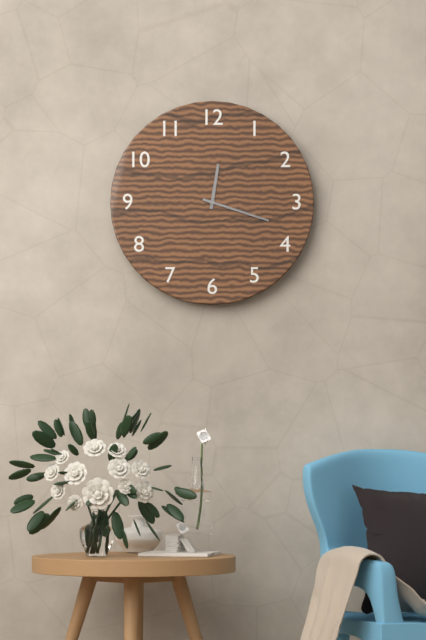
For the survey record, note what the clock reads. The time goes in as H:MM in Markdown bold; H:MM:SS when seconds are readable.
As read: **12:18**
